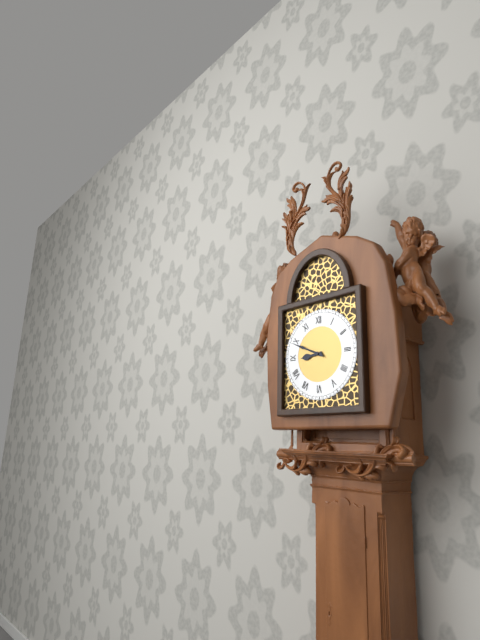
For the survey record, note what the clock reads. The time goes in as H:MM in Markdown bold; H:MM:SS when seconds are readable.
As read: **8:49**
